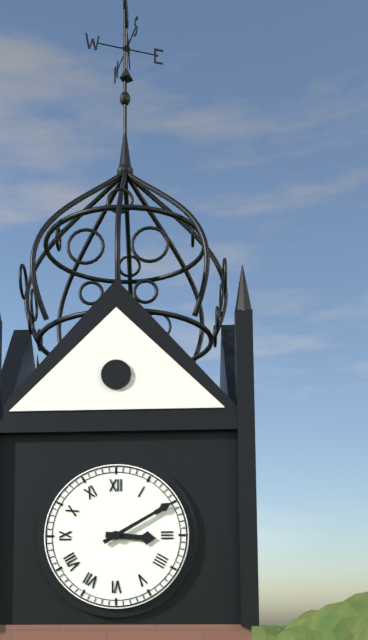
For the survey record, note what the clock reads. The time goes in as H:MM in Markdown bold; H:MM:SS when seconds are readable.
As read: **3:10**
